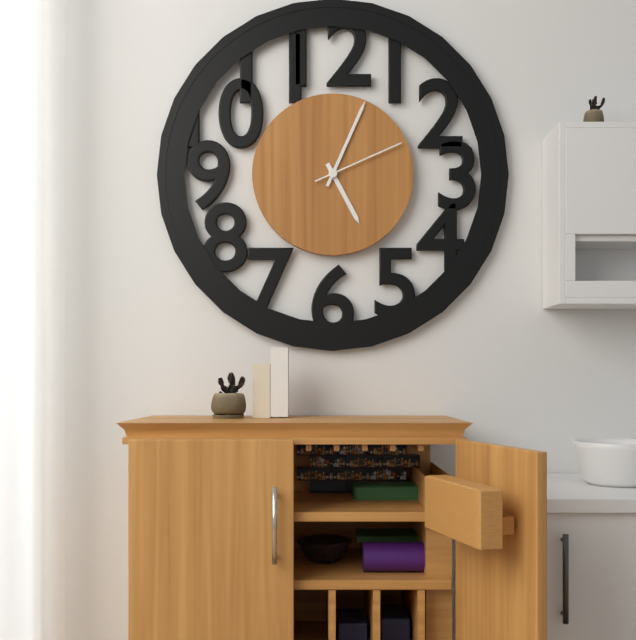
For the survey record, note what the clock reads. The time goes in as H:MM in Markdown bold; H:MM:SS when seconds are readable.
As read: **5:04:11**
